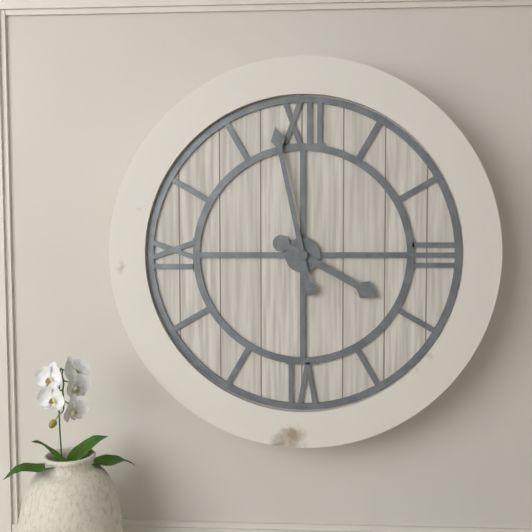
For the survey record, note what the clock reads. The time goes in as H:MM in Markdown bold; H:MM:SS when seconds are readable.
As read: **3:58**
